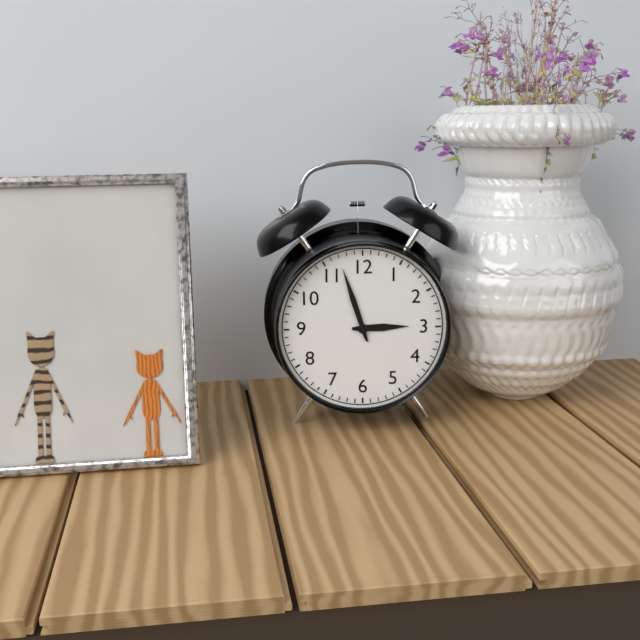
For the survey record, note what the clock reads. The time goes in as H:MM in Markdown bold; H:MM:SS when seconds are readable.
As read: **2:57**
